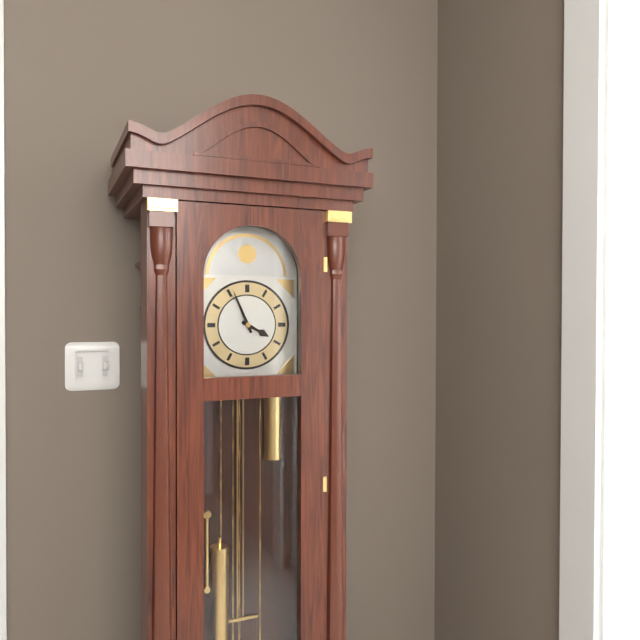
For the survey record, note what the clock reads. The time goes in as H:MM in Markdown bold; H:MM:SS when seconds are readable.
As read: **3:56**
